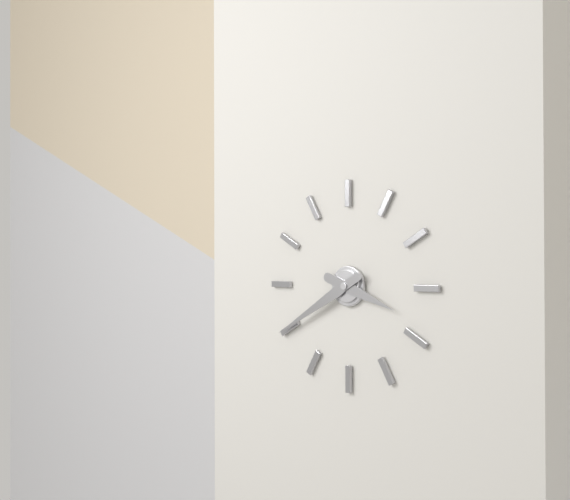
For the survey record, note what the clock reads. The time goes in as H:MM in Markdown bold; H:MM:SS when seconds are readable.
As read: **3:40**
